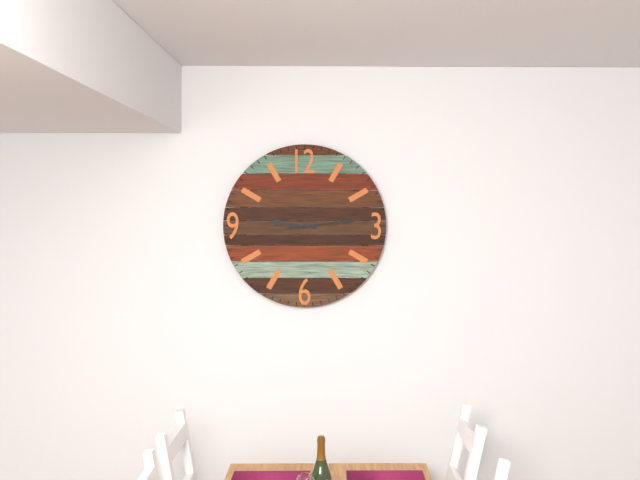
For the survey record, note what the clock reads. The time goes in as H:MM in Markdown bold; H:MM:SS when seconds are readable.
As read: **9:14**
